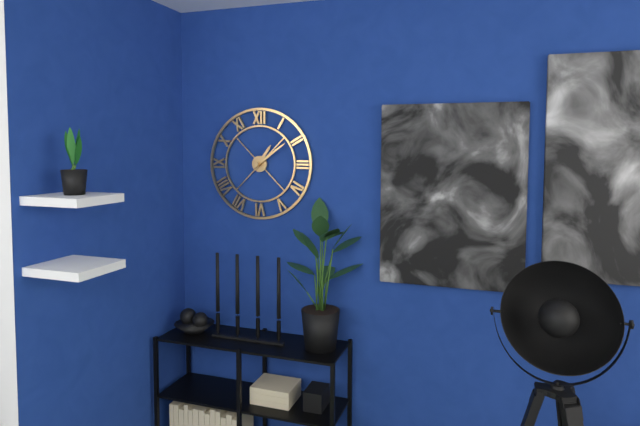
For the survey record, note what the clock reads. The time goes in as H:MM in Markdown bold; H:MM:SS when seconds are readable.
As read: **1:09**
